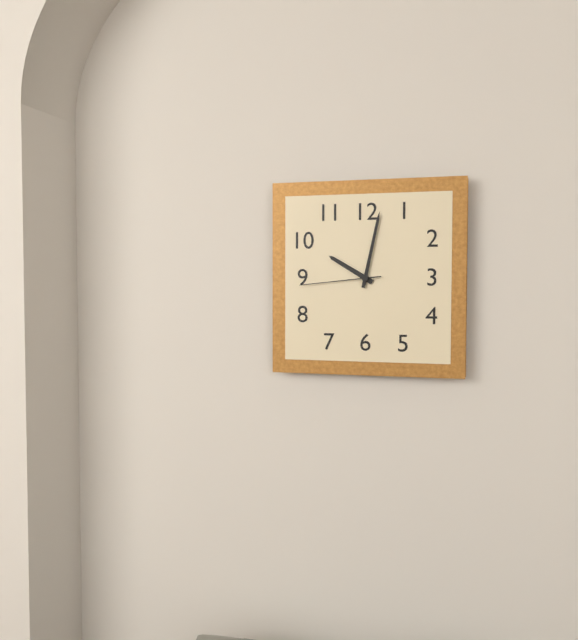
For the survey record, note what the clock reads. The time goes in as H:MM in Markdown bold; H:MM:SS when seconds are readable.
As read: **10:02:44**
